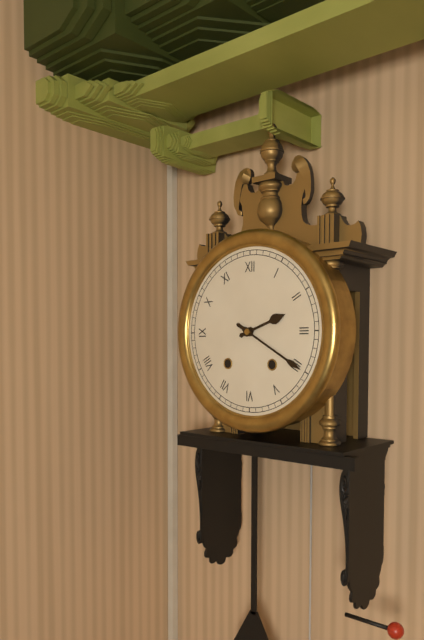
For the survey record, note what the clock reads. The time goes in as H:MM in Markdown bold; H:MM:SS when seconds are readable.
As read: **2:20**
